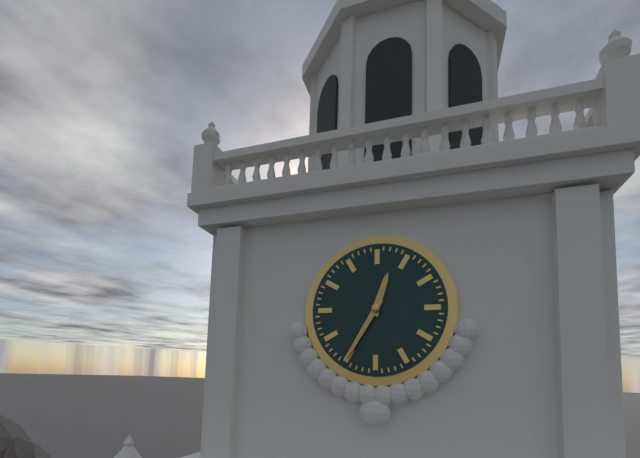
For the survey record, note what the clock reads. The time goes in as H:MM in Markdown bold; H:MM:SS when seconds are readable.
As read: **12:35**
